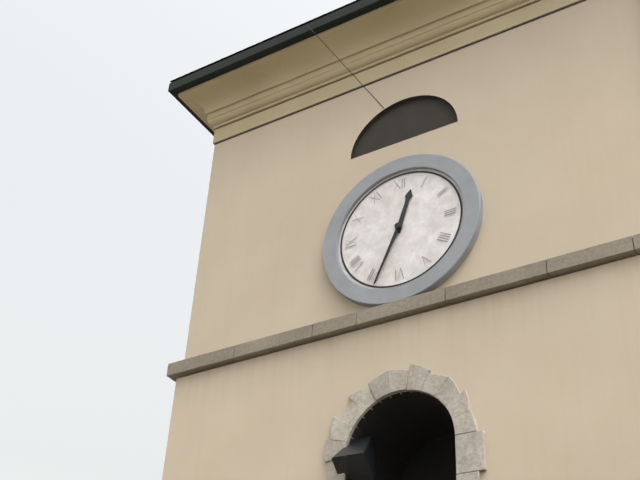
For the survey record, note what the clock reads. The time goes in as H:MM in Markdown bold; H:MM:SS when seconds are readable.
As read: **12:34**
